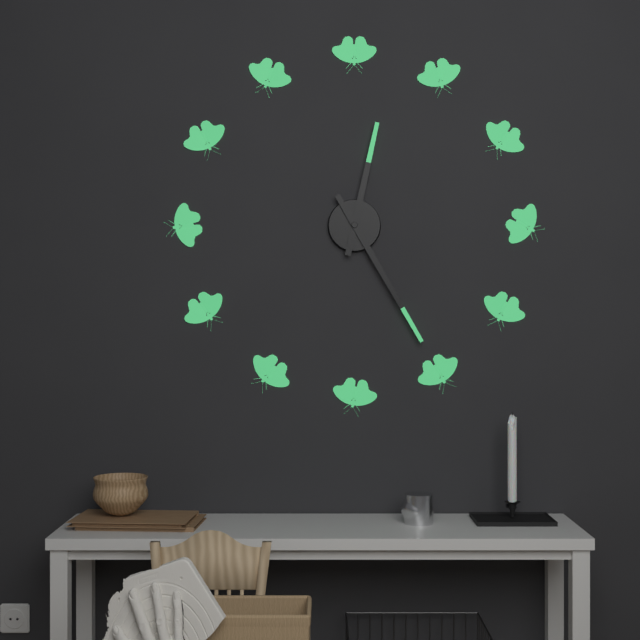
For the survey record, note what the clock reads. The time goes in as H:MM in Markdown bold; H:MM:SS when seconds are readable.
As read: **12:25**
